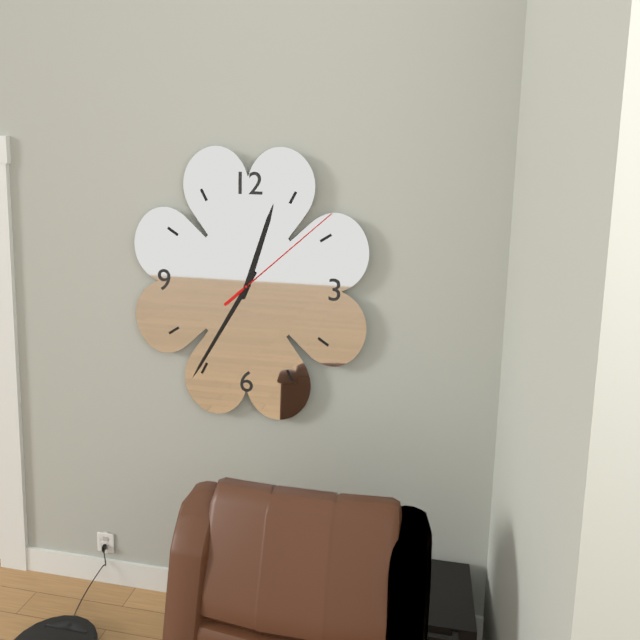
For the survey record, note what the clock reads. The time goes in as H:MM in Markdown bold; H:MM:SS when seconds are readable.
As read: **12:35:08**
